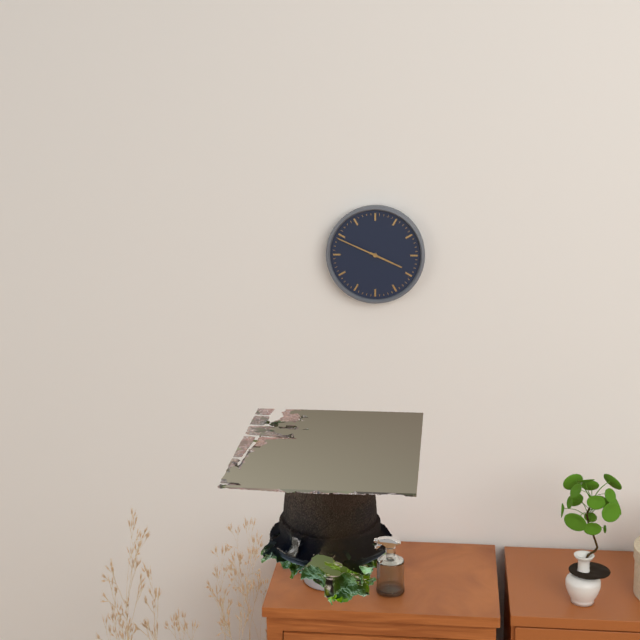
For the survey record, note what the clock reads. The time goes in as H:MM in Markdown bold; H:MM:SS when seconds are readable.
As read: **3:49**
